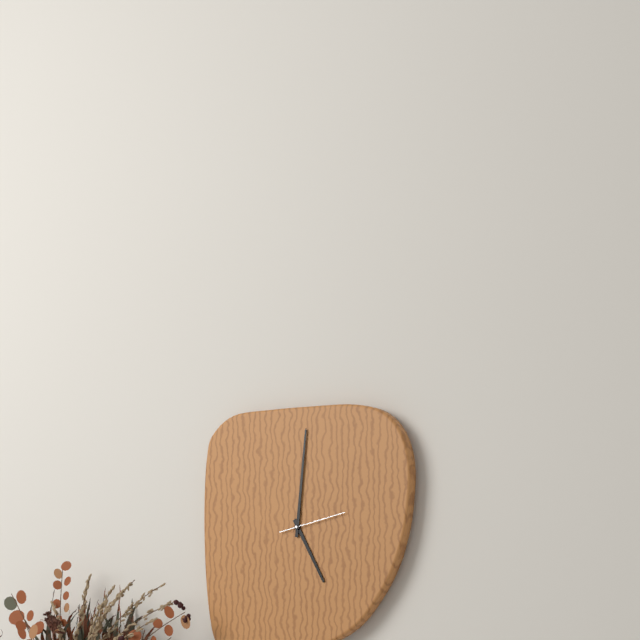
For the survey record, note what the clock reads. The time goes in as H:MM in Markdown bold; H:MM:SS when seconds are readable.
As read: **5:01:13**
